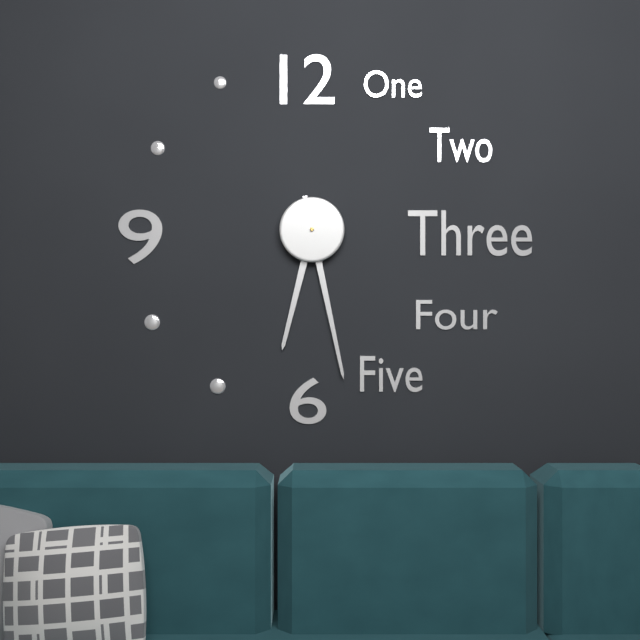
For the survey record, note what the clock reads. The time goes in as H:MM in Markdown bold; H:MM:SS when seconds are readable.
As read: **6:28**
